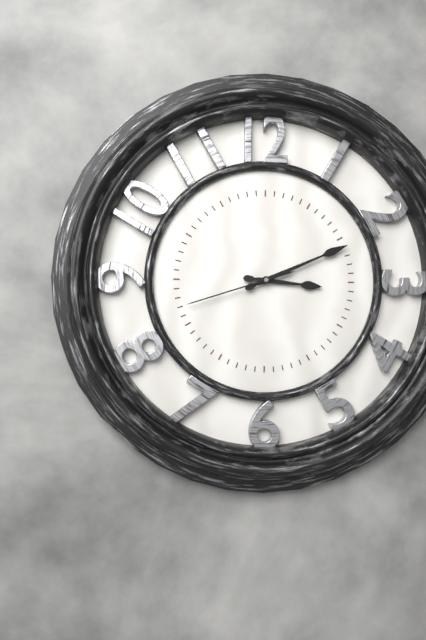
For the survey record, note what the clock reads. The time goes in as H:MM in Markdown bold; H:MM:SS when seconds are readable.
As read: **3:11:42**
